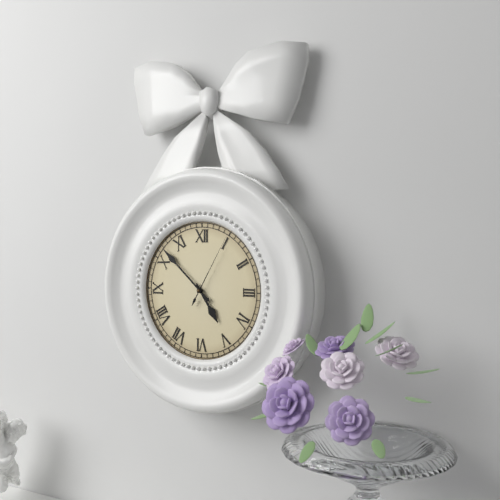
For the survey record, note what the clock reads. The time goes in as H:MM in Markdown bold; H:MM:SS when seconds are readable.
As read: **4:52:05**
